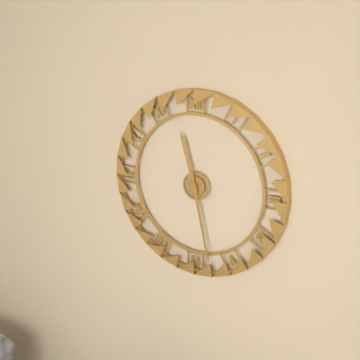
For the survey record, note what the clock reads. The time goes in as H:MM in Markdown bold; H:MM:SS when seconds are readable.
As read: **11:28**
